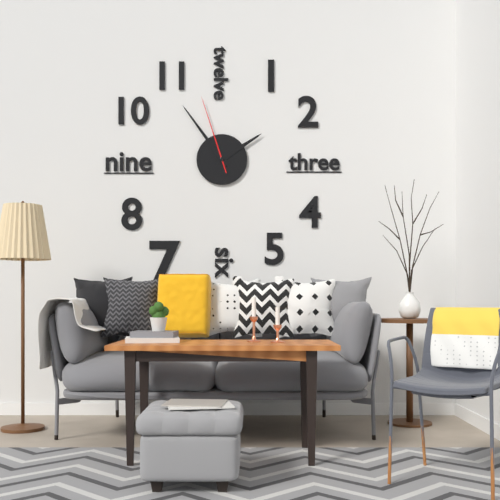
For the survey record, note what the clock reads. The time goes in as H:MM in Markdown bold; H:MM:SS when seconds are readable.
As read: **1:54:57**
